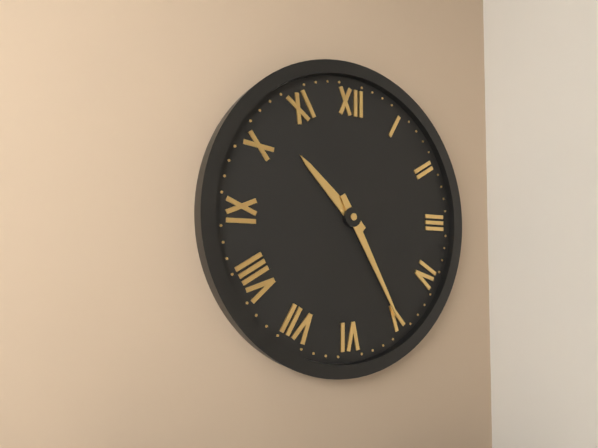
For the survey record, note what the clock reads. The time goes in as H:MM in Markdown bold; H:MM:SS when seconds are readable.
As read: **10:25**
